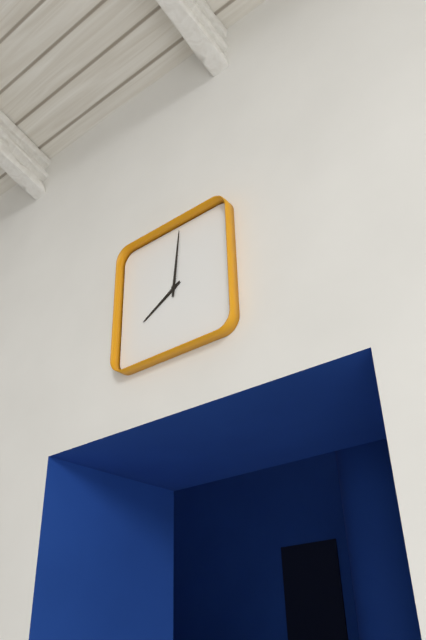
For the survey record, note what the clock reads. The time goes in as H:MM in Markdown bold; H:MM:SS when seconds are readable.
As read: **8:01**
